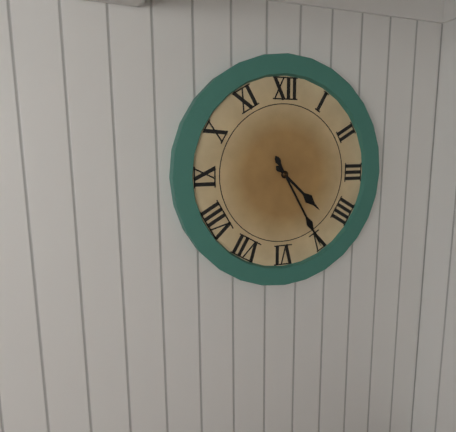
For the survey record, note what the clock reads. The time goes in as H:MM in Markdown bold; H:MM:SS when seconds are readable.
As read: **4:25**
